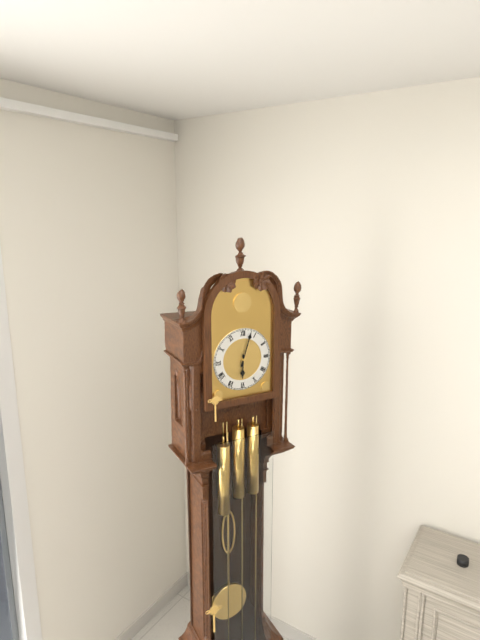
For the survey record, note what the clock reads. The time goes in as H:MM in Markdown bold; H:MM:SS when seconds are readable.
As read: **6:03**
